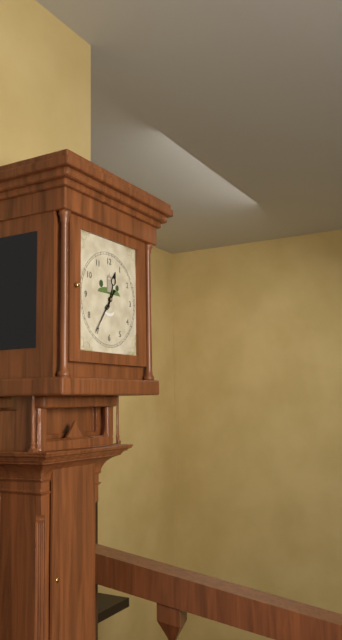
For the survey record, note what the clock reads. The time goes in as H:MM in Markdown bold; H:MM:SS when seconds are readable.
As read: **12:36**
